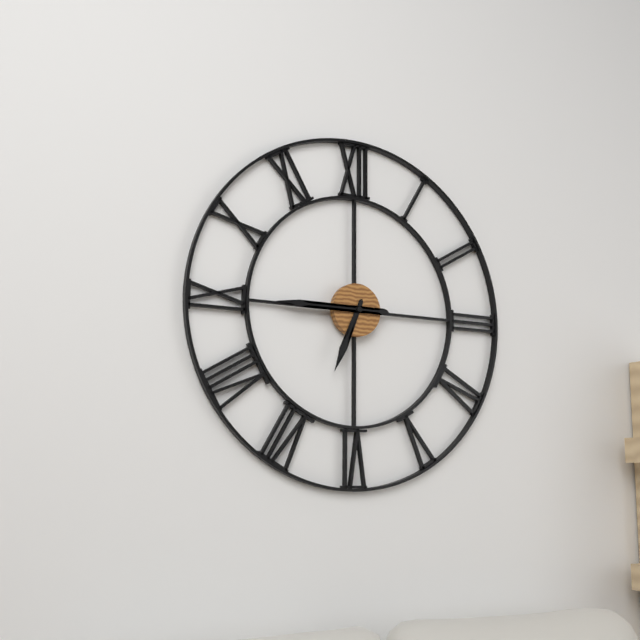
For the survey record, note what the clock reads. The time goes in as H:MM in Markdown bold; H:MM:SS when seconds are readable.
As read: **6:45**
